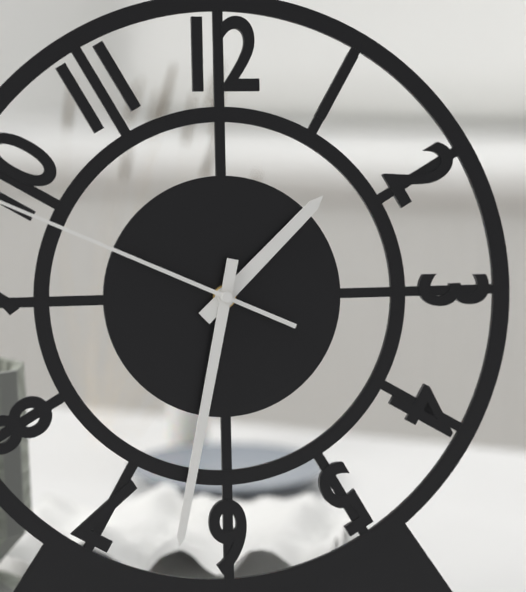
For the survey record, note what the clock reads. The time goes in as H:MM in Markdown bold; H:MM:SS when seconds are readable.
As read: **1:32**
